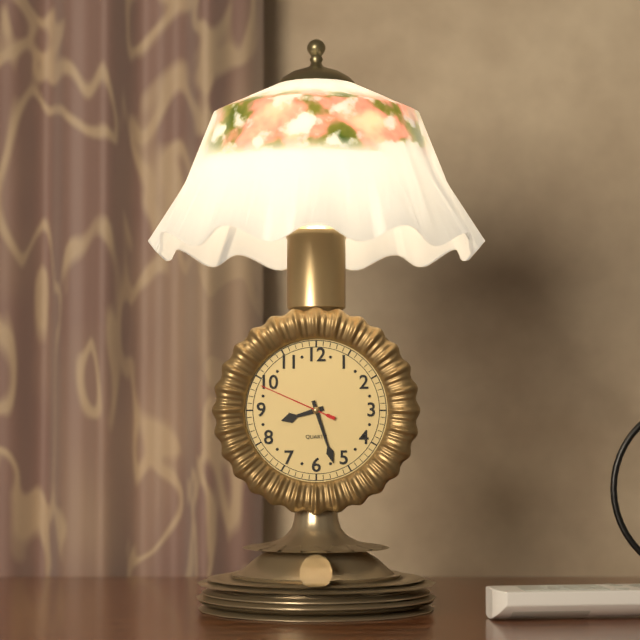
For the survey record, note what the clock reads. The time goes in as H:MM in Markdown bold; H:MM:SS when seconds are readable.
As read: **8:27:49**
